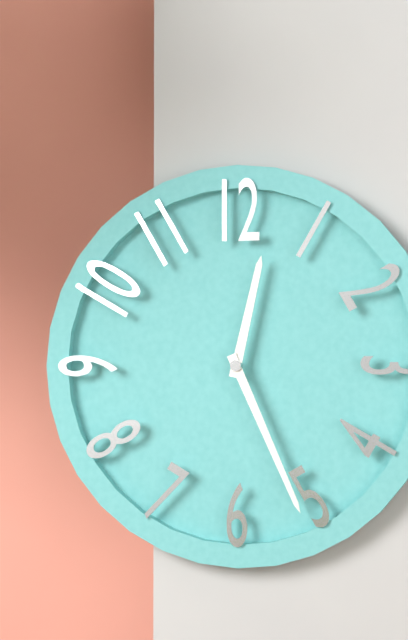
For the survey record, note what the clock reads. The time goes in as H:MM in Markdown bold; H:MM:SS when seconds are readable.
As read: **12:26**
